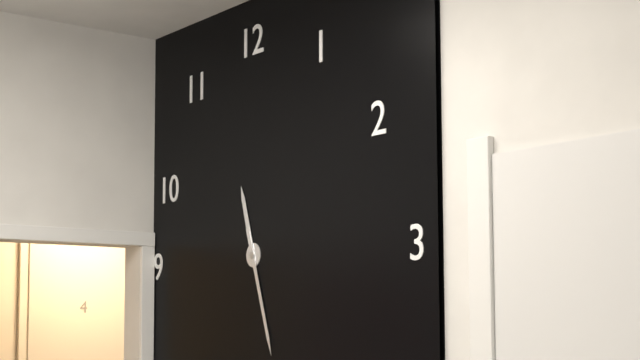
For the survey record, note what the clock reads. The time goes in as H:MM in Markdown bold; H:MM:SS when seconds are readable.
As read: **11:27**
